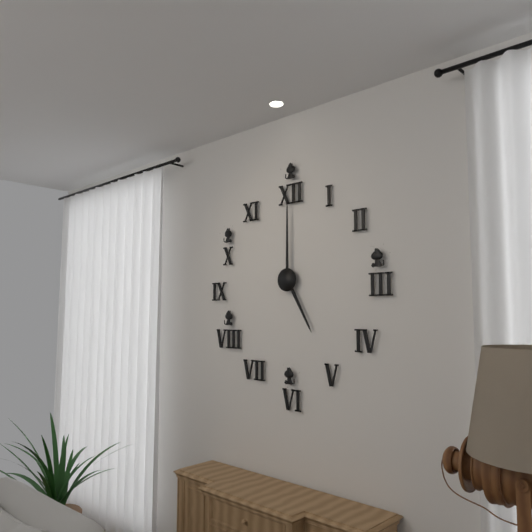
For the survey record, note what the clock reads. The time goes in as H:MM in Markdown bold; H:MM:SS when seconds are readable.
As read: **5:00**
